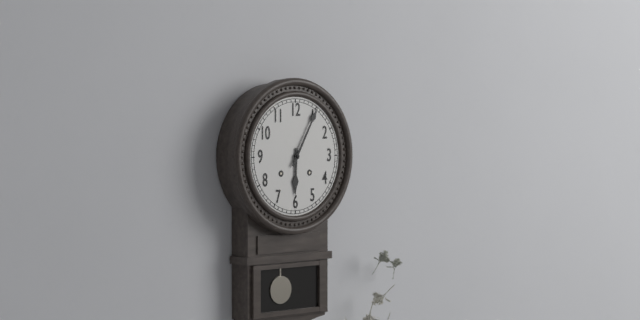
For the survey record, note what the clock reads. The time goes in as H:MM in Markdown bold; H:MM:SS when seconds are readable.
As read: **6:05**
